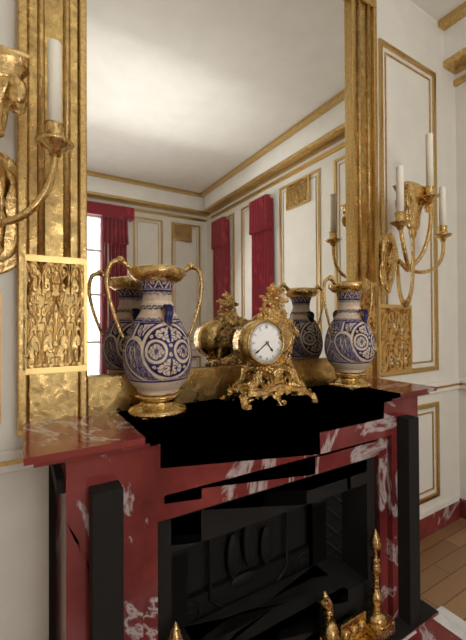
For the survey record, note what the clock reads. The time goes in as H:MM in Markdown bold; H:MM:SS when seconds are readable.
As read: **4:39**
